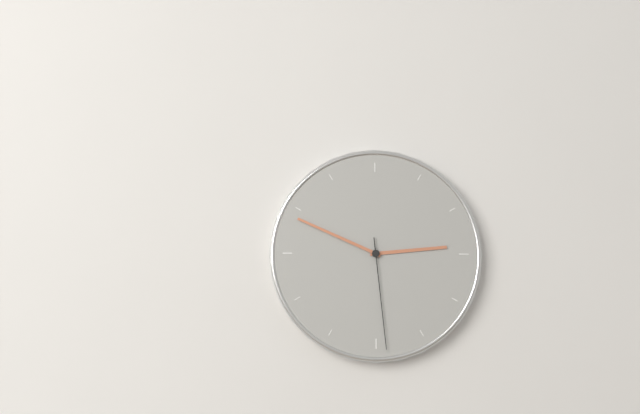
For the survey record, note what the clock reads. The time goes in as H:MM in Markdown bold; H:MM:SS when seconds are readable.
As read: **2:49:29**
